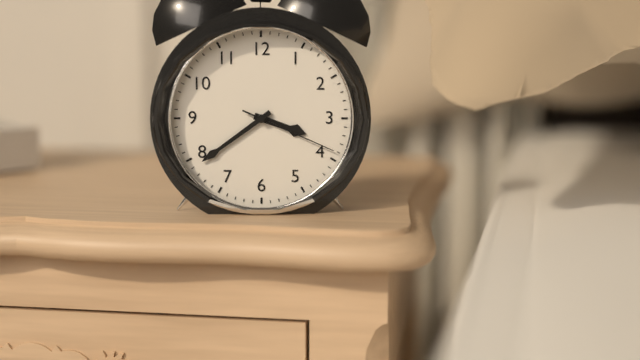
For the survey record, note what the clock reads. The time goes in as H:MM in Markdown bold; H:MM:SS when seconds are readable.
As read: **3:39:19**
